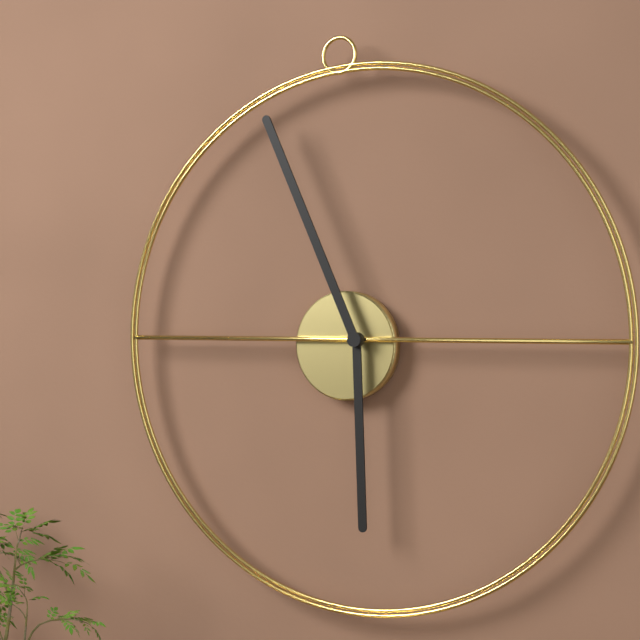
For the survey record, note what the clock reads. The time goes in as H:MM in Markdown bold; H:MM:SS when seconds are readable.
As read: **5:56**
